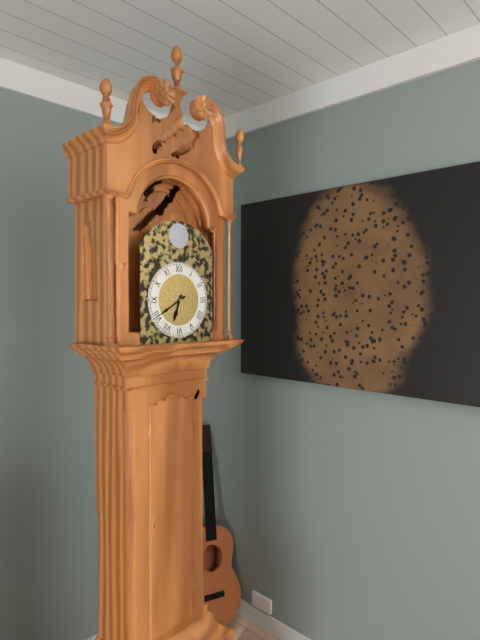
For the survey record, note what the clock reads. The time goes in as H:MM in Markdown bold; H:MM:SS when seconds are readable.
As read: **6:40**
